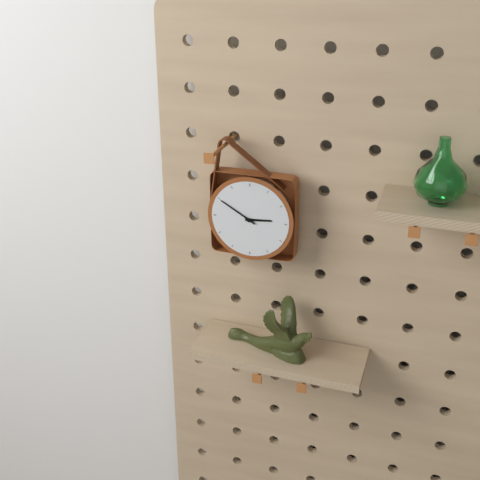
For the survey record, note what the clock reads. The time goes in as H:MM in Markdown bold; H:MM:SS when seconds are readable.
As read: **2:50**
